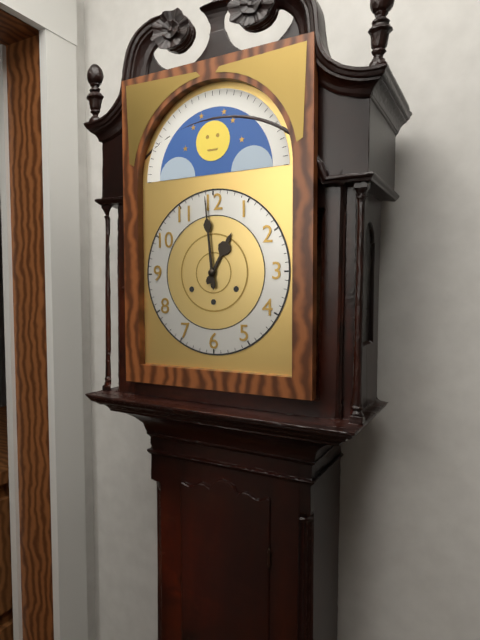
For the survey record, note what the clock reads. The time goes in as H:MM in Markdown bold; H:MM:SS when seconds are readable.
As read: **12:59**
